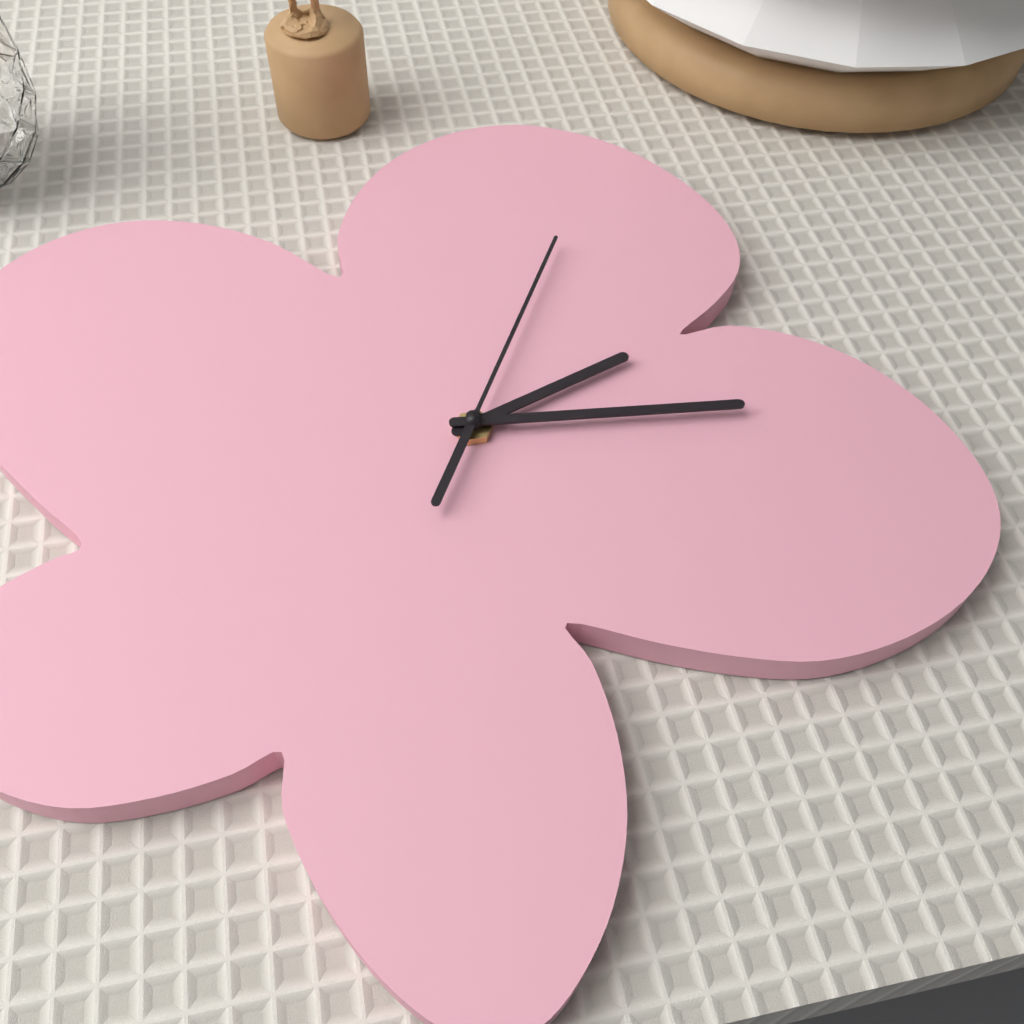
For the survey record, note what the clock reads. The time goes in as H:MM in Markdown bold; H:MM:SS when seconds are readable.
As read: **3:21:10**
